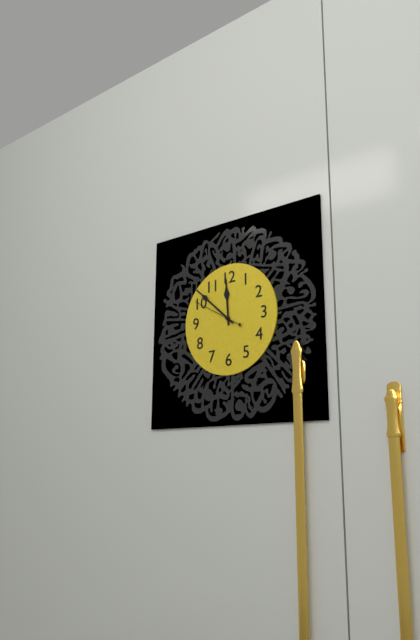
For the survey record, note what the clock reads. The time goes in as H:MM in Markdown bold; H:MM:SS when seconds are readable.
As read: **11:52**
